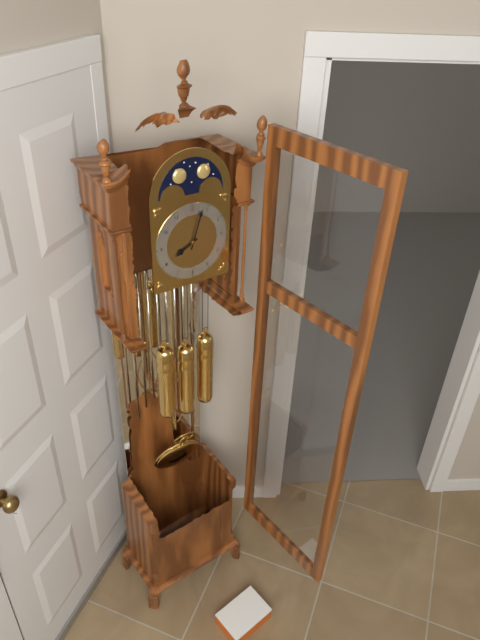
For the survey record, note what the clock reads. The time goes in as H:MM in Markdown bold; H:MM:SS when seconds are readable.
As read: **8:03**
